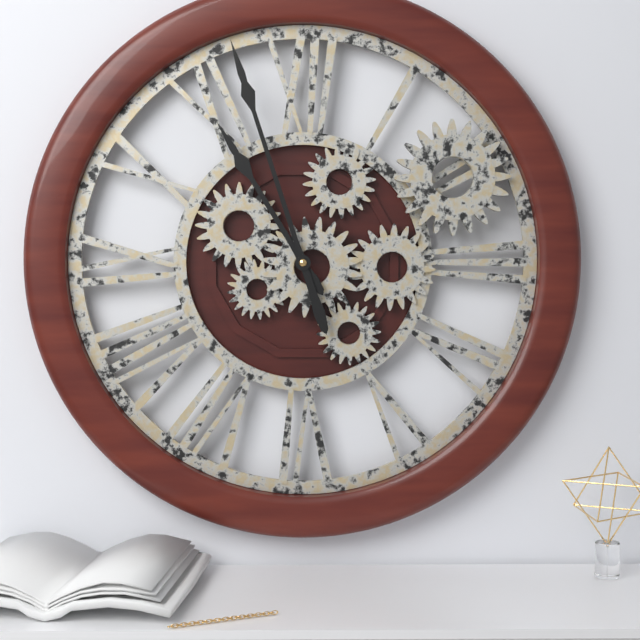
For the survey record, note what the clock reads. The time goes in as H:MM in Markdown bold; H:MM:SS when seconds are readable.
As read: **10:57**
